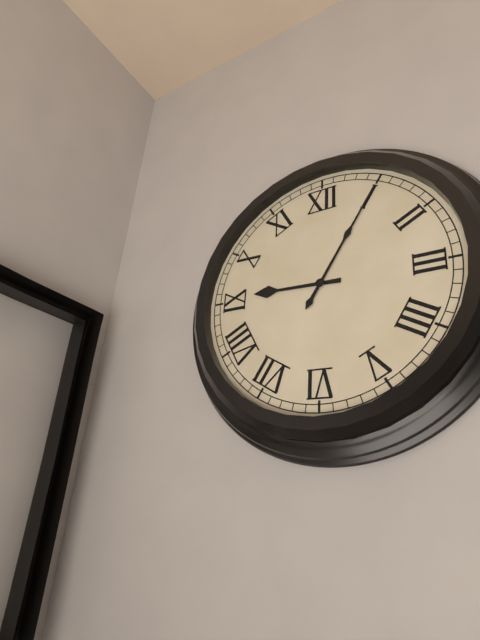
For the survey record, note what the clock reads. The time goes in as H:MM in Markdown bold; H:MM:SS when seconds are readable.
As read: **9:05**
